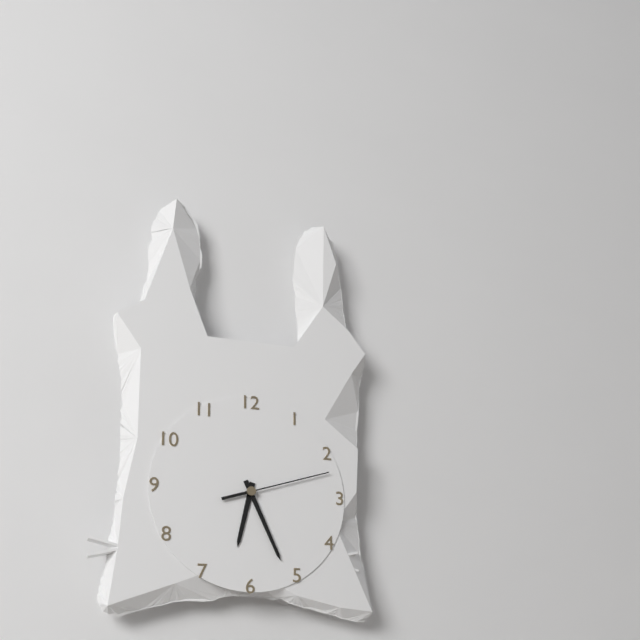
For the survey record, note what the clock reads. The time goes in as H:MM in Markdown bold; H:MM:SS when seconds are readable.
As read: **6:26:12**
